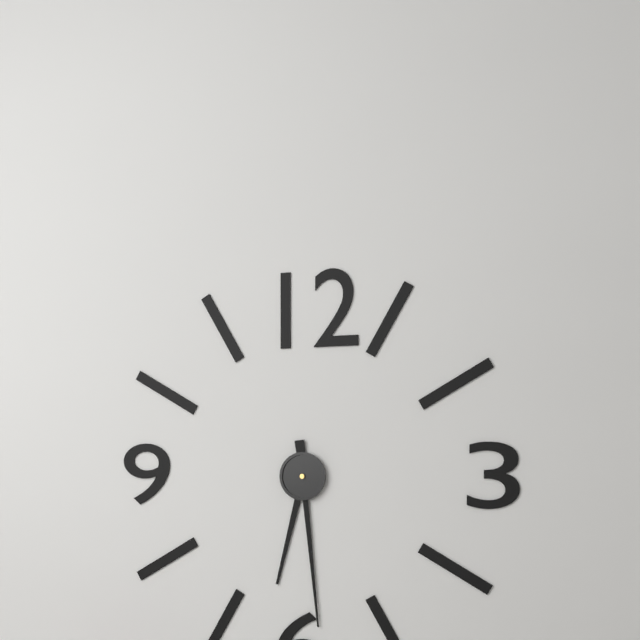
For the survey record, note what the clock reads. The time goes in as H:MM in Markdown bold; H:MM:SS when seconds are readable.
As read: **6:29**
